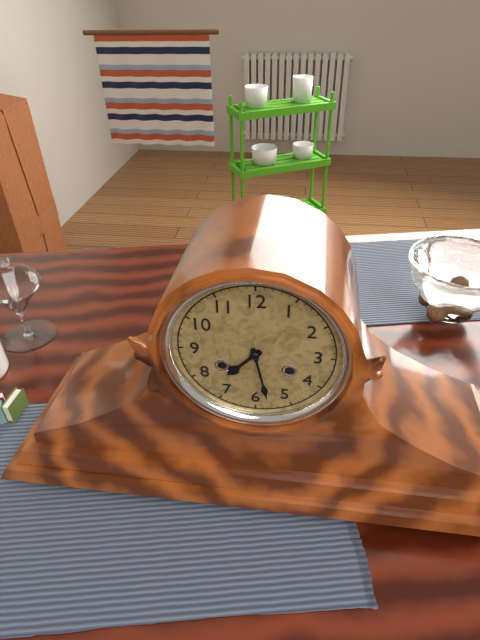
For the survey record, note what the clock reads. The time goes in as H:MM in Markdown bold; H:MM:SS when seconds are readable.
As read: **7:28**
